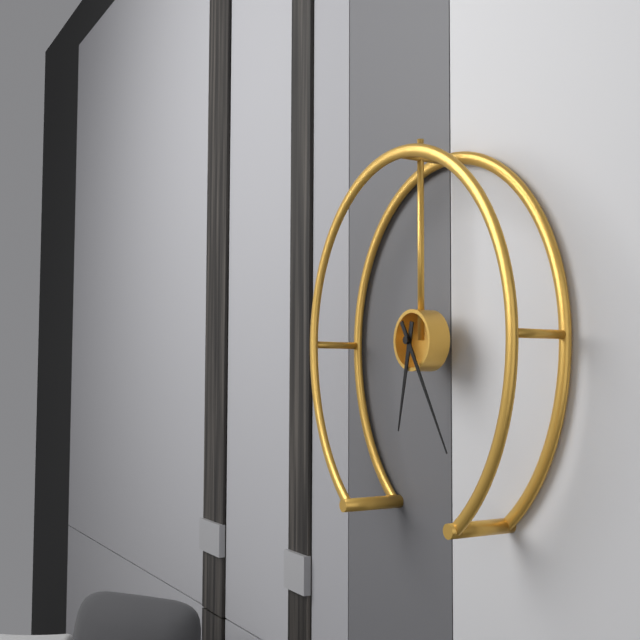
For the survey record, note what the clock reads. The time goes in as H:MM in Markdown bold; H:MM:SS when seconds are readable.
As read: **6:25**
